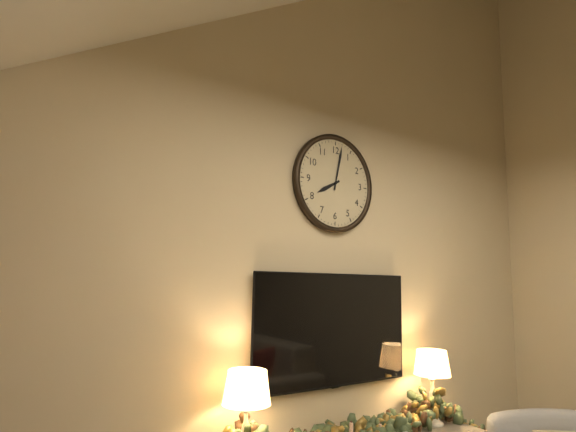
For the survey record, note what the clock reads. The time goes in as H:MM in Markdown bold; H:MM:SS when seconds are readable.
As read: **8:02**
